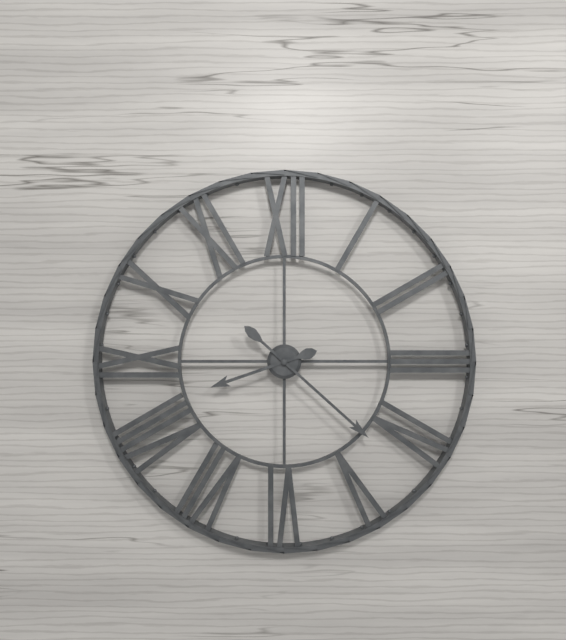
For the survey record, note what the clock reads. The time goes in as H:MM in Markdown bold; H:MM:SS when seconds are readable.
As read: **8:22**
